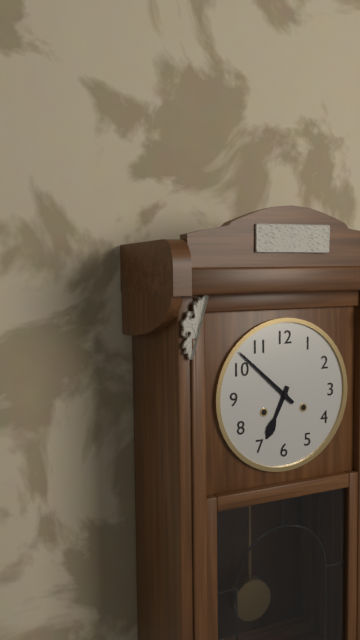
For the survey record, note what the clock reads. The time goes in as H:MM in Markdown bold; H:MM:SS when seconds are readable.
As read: **6:52**
